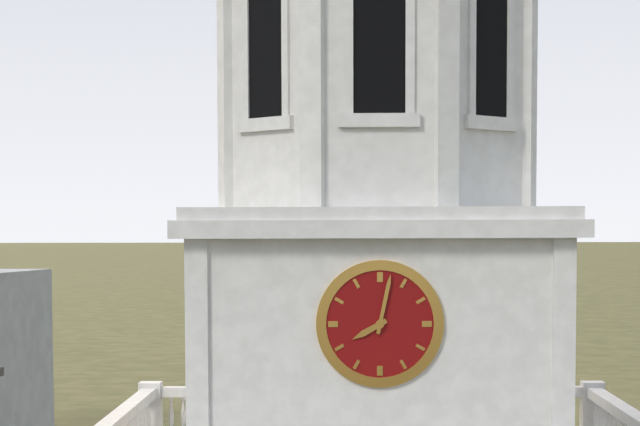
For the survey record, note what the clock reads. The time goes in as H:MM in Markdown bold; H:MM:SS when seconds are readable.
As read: **8:02**
